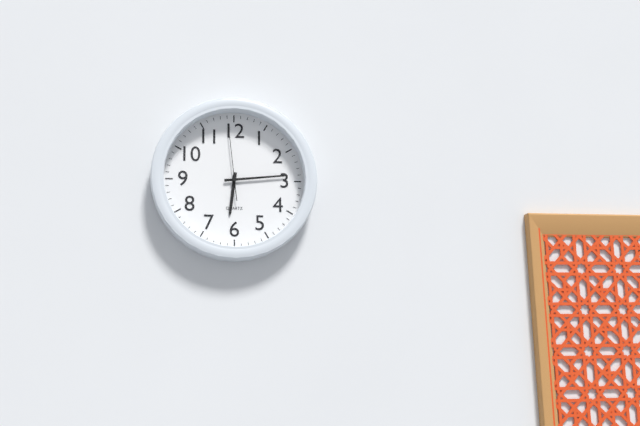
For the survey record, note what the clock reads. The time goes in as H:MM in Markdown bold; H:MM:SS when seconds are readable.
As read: **6:14:59**
